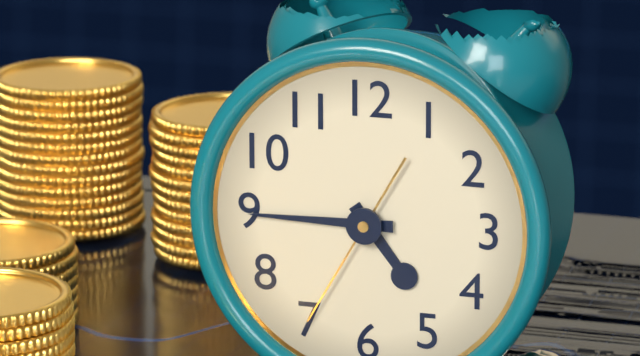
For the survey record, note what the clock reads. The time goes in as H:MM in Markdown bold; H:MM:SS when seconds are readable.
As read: **4:45:35**
